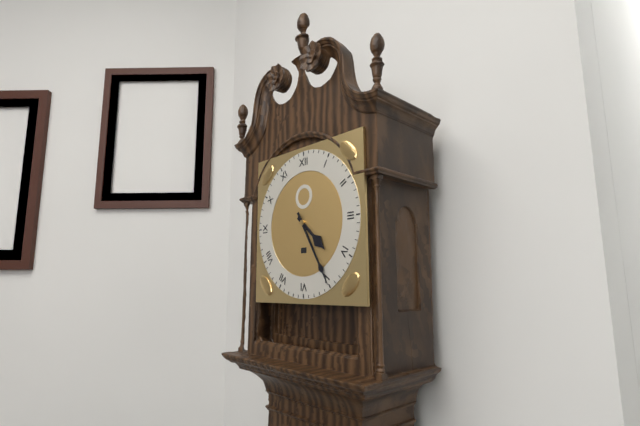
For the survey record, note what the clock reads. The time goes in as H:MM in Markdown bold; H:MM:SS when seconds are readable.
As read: **4:25**
